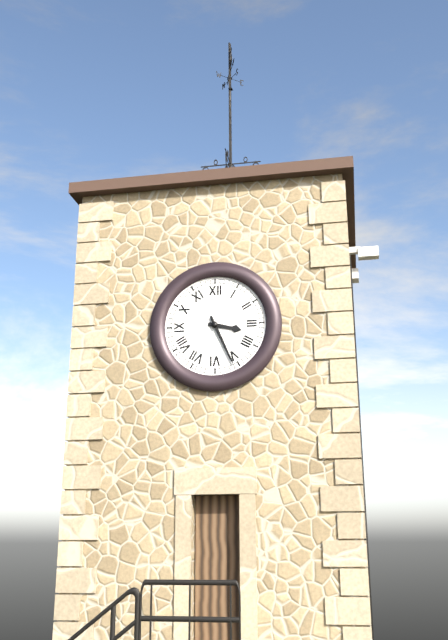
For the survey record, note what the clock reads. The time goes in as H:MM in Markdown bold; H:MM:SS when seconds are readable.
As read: **3:26**
